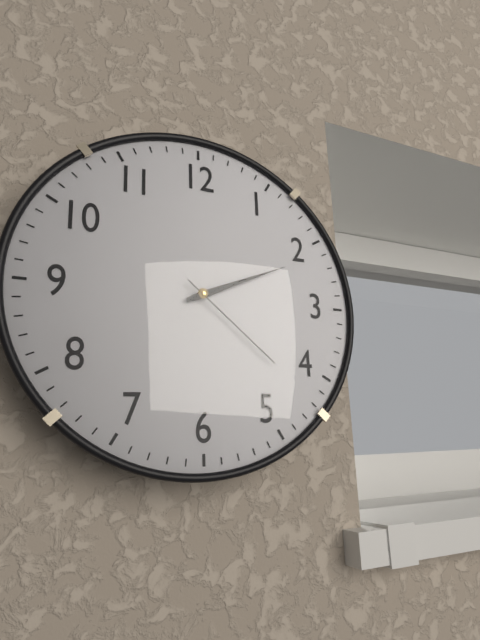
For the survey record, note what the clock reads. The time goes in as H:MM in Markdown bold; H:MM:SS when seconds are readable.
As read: **2:11:22**
